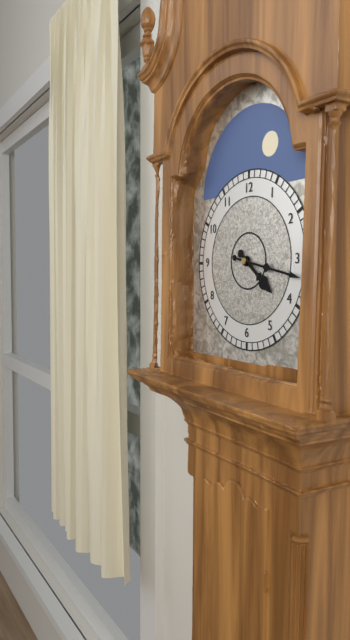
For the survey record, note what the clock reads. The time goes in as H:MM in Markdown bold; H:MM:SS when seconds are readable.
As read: **4:17**
